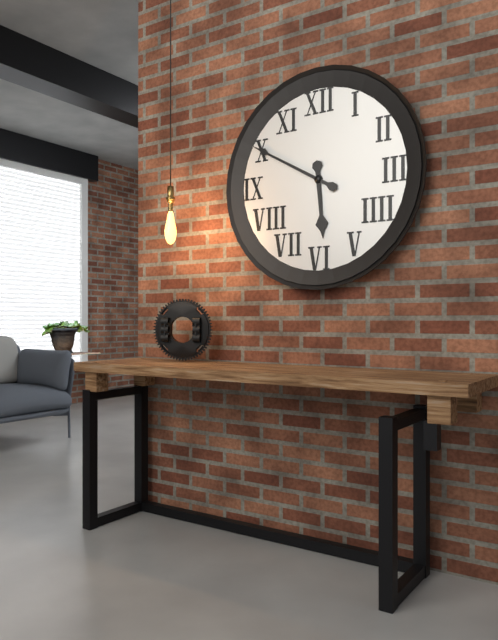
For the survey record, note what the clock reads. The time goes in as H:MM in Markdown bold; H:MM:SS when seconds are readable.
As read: **5:50**
